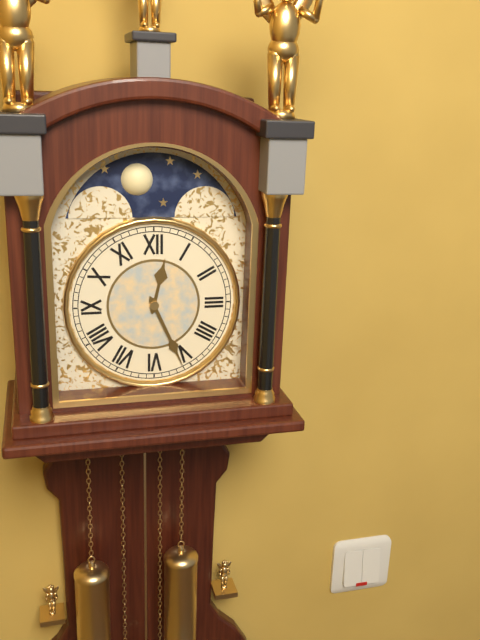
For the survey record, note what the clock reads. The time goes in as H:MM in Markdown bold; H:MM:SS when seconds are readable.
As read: **12:26**
